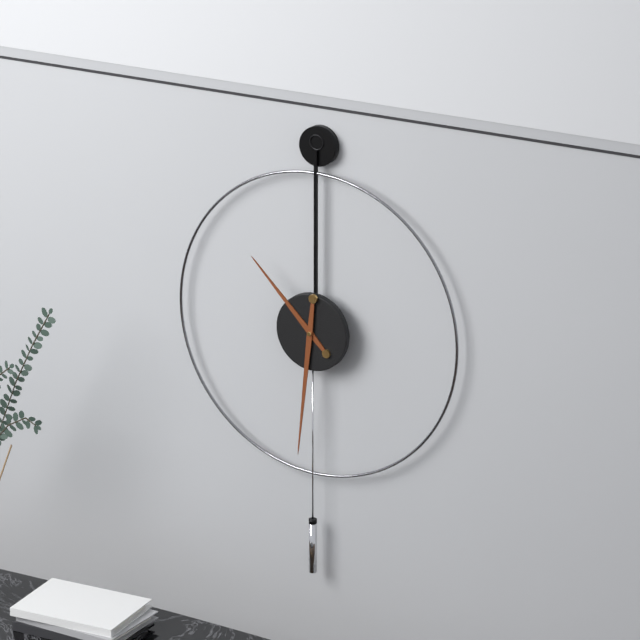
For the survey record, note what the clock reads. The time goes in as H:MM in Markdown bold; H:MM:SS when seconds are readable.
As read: **10:31**
